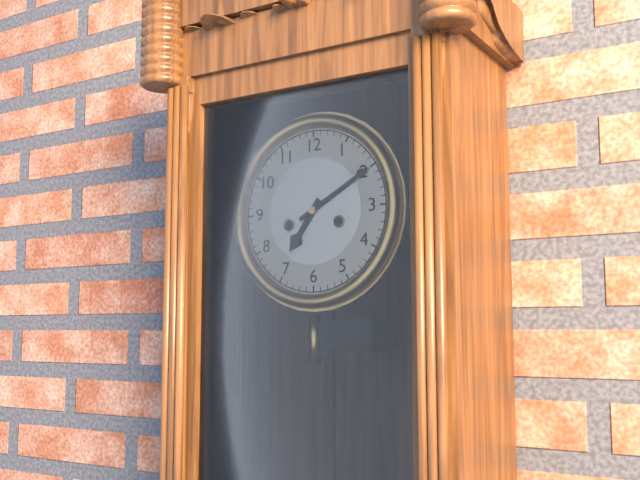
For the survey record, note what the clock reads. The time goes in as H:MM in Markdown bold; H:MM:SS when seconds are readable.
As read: **7:10**
